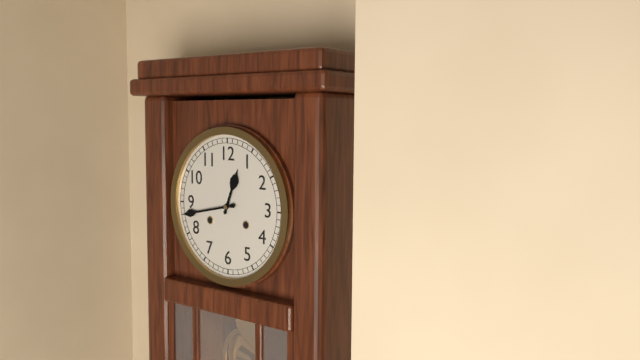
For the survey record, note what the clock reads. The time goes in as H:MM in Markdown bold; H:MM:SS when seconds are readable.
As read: **12:43**
